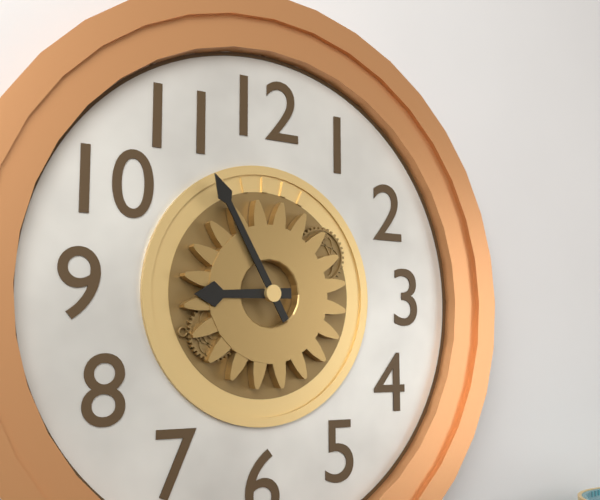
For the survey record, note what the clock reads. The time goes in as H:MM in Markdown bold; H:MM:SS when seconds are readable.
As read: **8:55**
